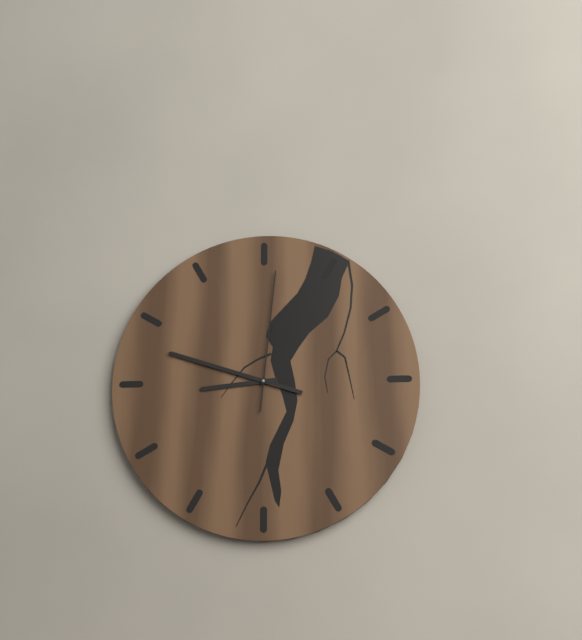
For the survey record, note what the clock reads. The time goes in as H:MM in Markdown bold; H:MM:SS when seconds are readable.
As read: **8:48:01**
